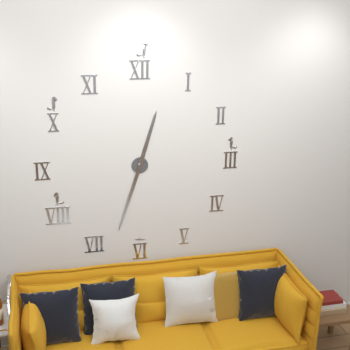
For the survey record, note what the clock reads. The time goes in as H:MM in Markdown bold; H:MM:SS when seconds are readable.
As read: **12:33**
